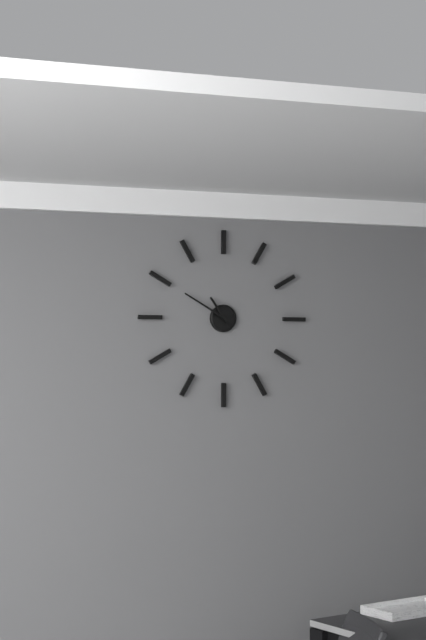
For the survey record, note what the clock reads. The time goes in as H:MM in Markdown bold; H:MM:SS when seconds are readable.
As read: **10:50**
